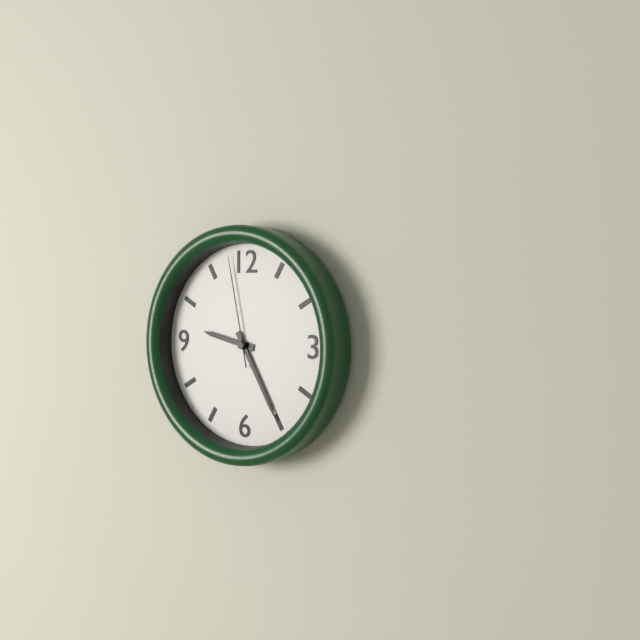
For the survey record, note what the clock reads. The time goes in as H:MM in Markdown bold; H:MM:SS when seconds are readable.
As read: **9:25:58**
